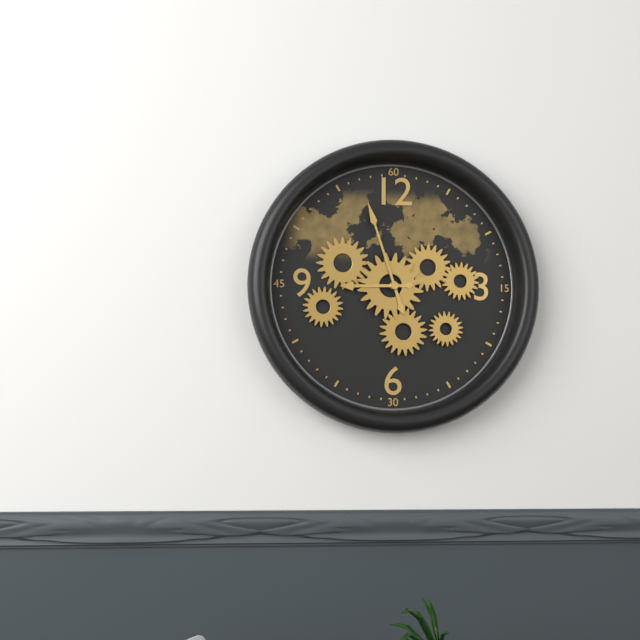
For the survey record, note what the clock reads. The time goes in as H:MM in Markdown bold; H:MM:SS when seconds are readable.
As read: **8:57**
